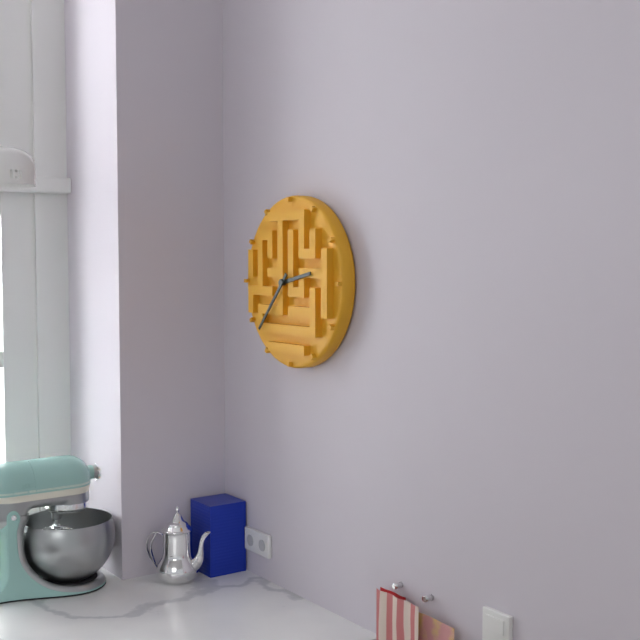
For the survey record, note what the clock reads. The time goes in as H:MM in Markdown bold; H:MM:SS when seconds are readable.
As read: **2:37**
